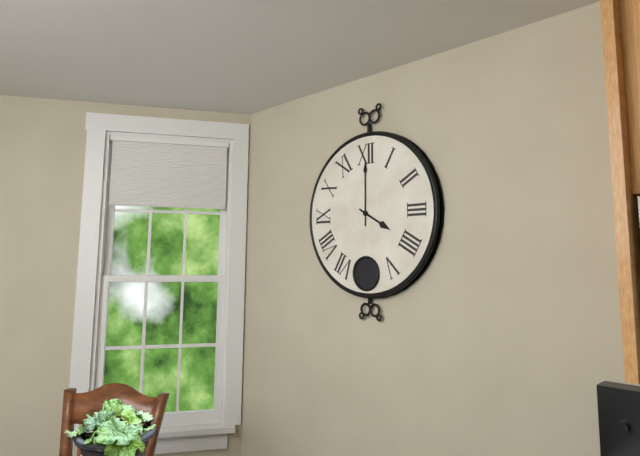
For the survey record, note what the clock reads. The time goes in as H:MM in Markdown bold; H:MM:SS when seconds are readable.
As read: **4:00**
